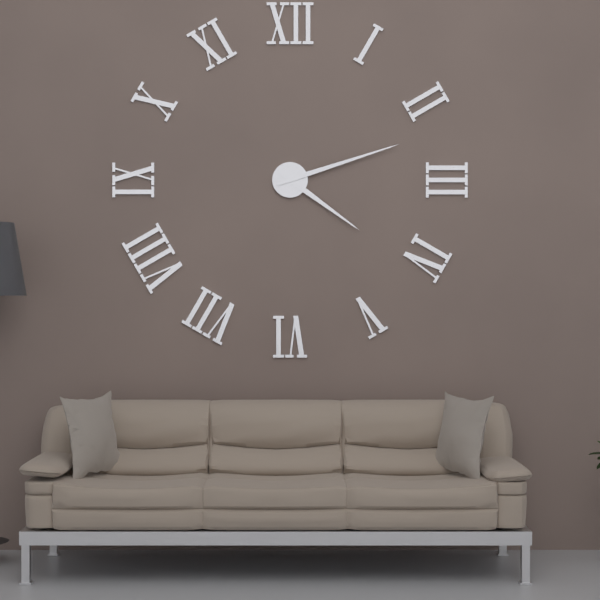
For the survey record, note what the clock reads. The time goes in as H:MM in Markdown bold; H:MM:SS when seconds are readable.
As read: **4:12**
